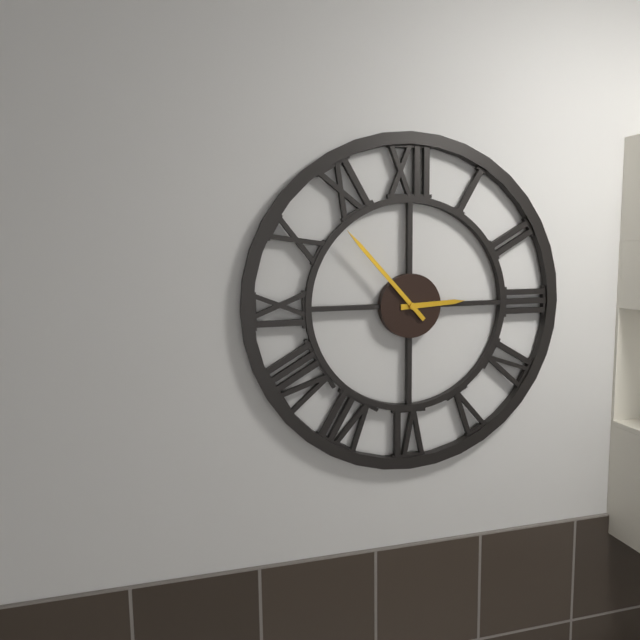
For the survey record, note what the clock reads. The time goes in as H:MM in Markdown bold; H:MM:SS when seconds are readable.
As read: **2:53**
